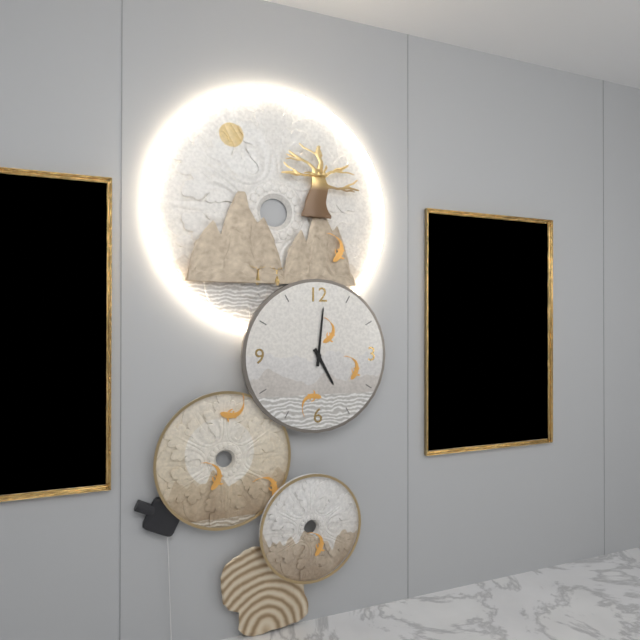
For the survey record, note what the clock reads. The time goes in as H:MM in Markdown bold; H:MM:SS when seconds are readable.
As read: **5:01**
